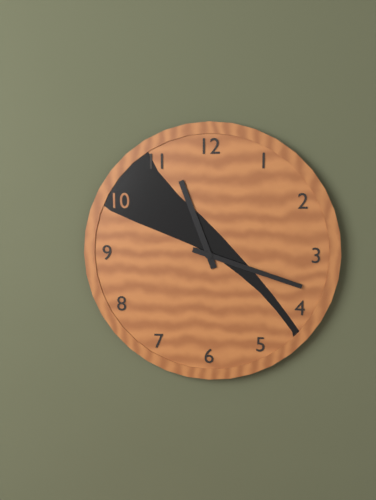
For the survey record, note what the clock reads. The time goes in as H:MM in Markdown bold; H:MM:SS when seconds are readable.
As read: **11:18**
